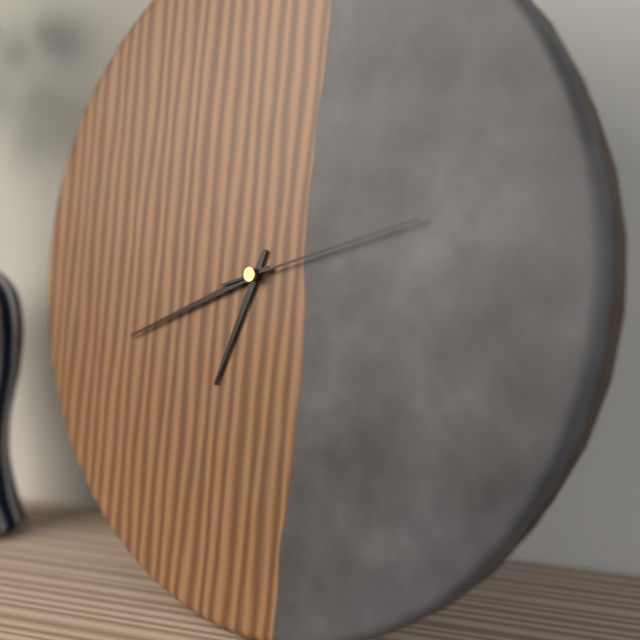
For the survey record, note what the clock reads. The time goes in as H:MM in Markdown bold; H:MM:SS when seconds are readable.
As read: **6:41:12**
